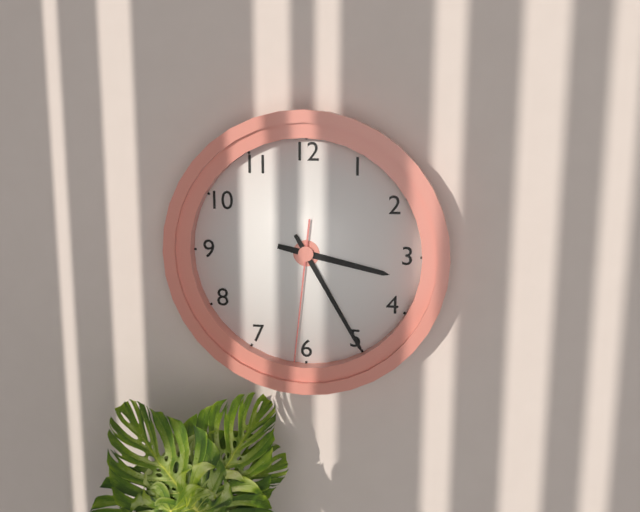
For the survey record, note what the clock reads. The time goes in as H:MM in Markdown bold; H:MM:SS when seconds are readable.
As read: **3:25:31**
